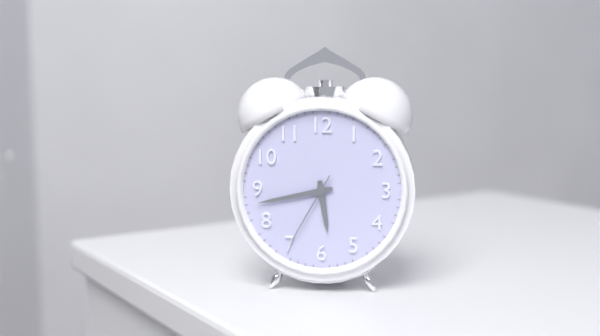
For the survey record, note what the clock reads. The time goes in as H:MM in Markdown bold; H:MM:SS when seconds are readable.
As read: **5:43:35**
